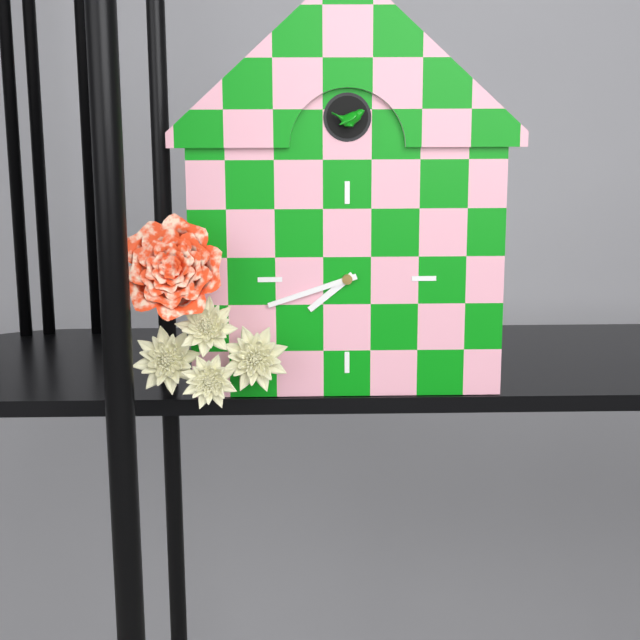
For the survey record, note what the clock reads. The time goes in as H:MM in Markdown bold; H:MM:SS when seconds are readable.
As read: **7:42**
